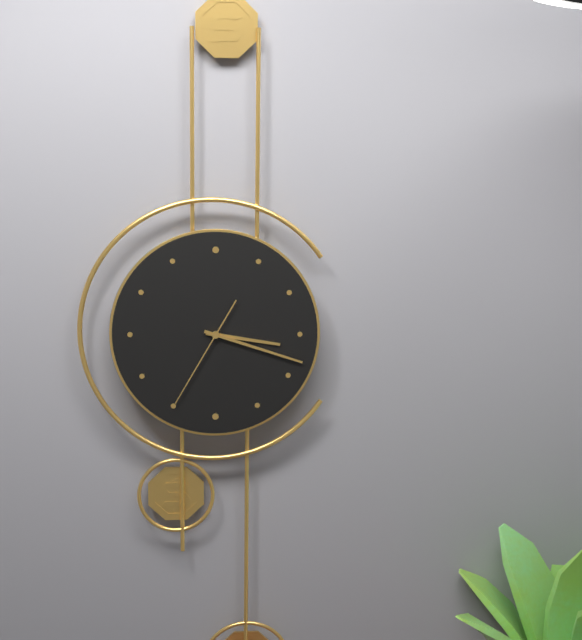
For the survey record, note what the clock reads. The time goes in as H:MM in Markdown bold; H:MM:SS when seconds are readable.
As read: **3:18:35**
